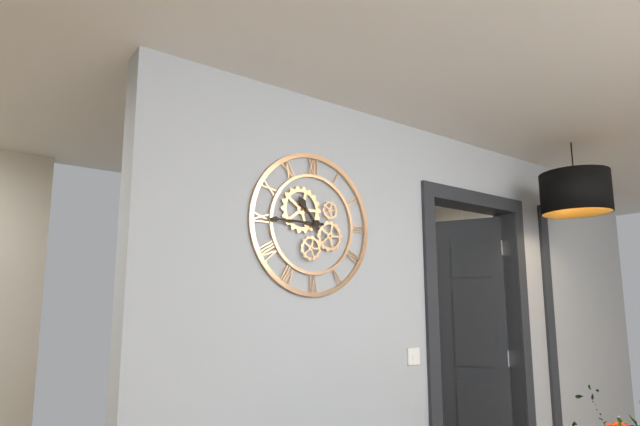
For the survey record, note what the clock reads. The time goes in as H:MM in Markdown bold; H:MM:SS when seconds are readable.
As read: **10:45**
